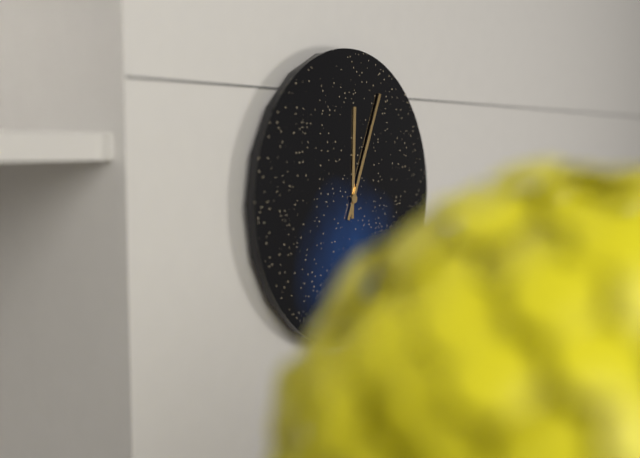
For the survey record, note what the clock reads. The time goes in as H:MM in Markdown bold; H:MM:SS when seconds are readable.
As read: **12:04**
